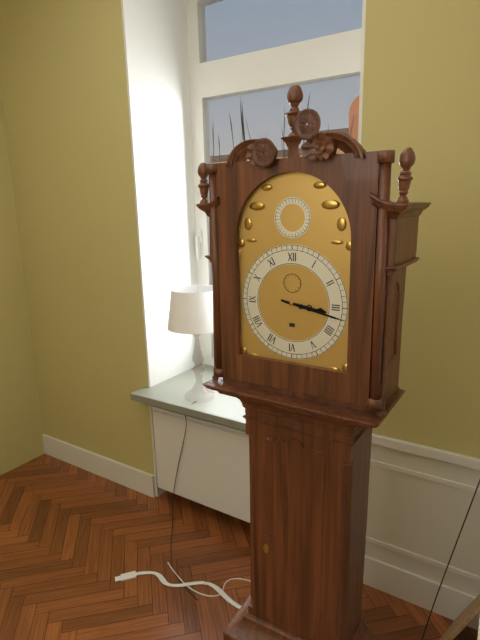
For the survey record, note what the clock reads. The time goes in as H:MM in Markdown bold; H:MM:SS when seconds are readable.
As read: **3:17**
